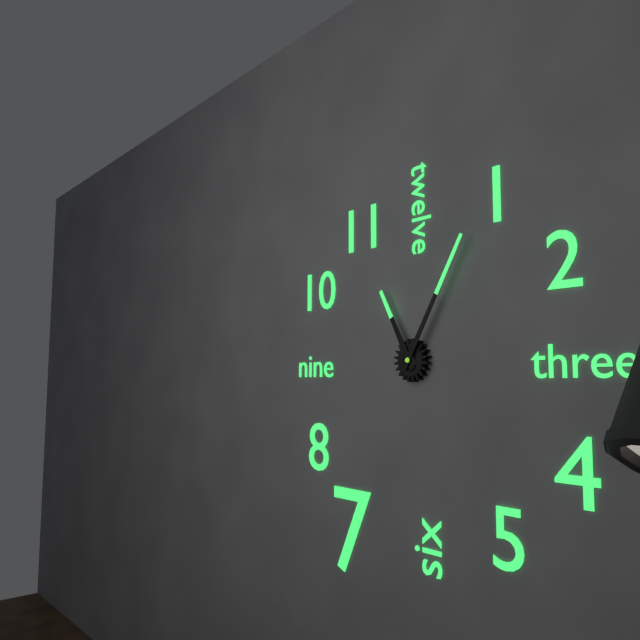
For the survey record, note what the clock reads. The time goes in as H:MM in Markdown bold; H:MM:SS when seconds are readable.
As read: **11:05**
